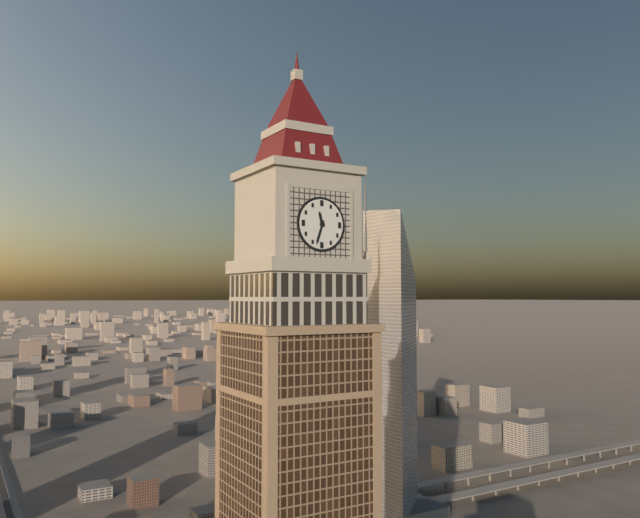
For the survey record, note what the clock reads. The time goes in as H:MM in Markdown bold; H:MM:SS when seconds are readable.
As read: **11:33**
